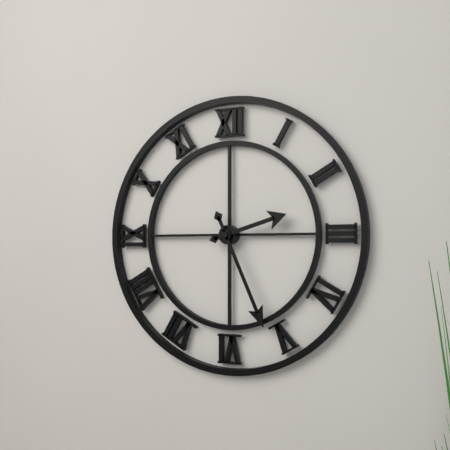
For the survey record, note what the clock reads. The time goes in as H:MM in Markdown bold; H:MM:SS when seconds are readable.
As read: **2:26**
